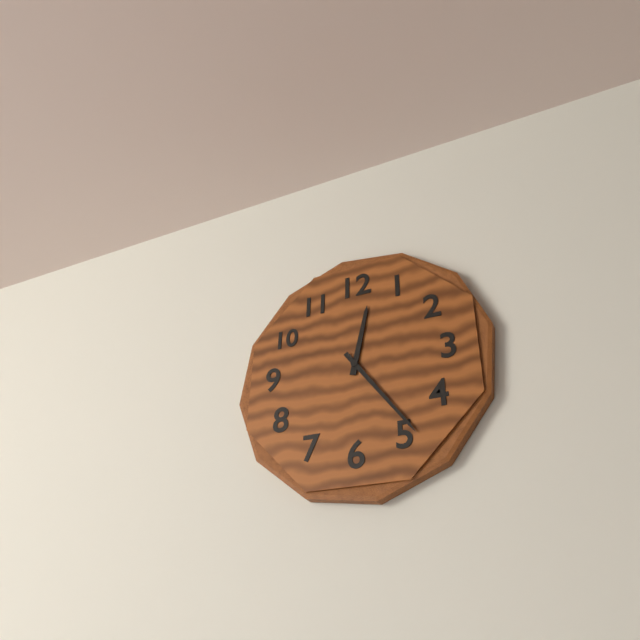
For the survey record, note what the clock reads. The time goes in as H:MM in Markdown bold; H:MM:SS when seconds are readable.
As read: **12:24**
